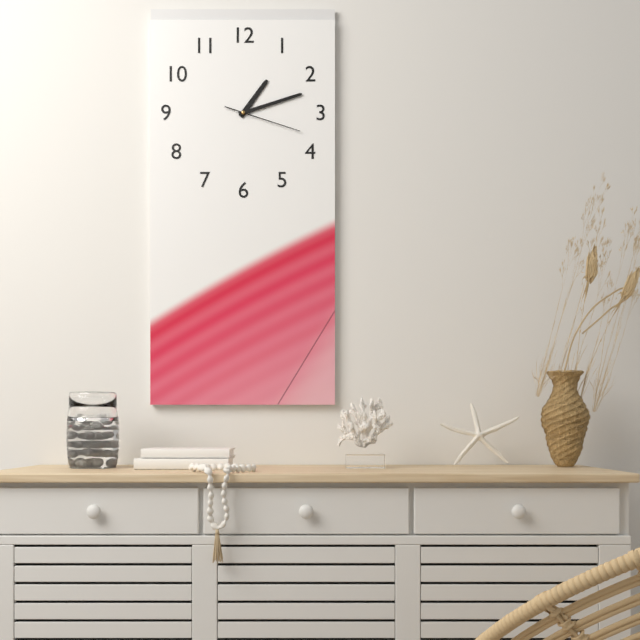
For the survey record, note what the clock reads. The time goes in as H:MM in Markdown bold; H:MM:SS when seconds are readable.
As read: **1:12:18**
